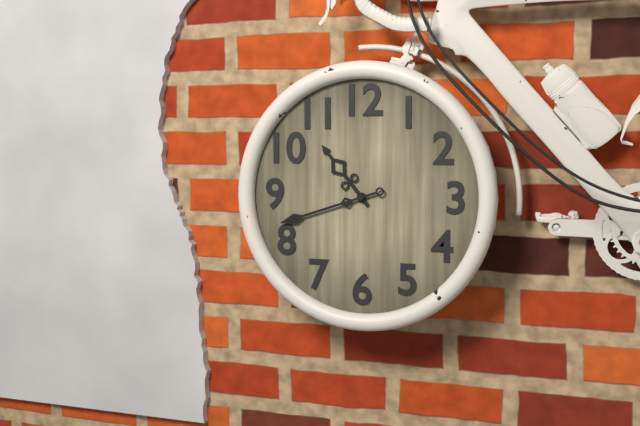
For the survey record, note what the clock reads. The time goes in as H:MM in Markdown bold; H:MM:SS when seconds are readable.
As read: **10:42**
